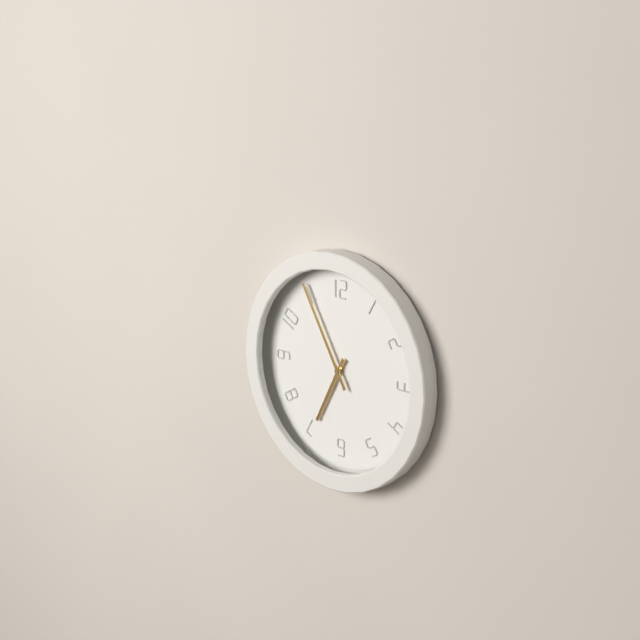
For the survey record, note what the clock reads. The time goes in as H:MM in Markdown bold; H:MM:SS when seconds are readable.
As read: **6:55**
